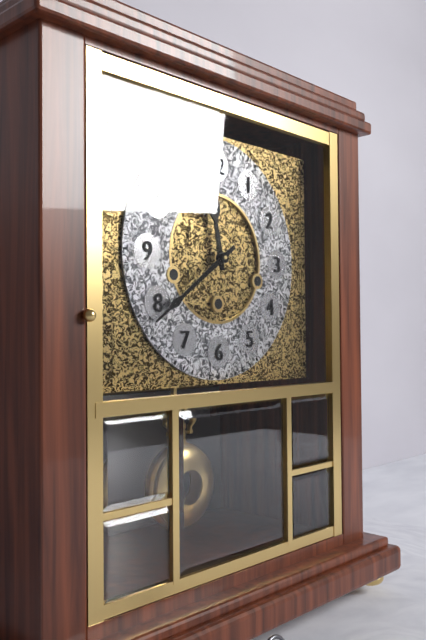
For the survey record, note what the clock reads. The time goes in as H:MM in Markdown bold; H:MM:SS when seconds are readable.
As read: **11:39**
